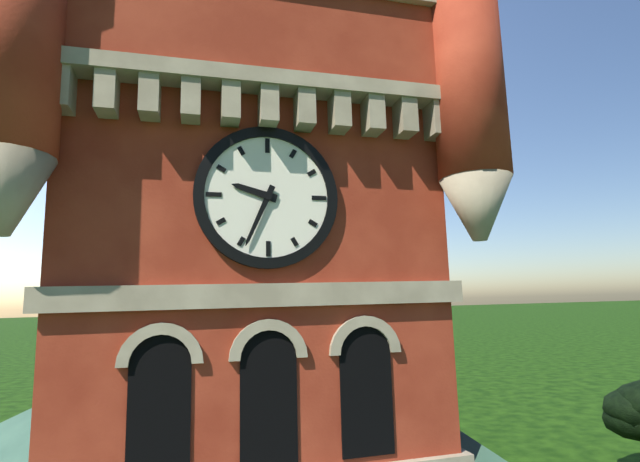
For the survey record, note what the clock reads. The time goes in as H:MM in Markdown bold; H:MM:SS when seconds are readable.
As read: **9:34**
